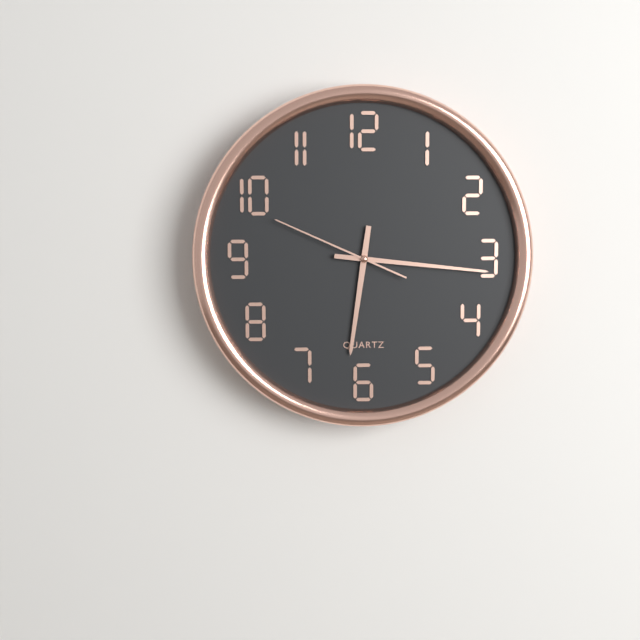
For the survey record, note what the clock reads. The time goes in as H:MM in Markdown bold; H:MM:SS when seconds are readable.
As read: **6:16:49**
